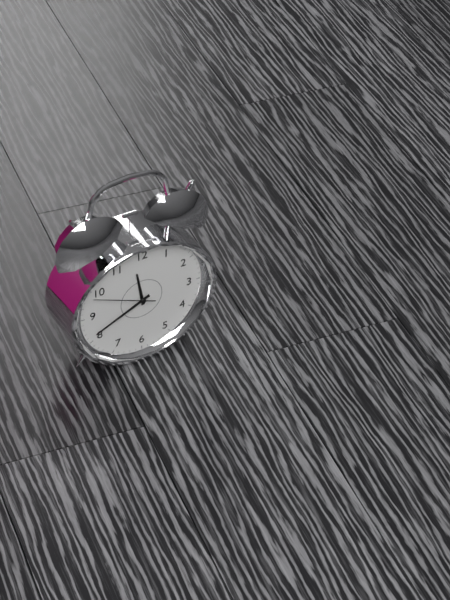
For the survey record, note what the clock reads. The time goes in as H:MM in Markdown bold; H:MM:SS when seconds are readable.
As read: **11:41:49**
